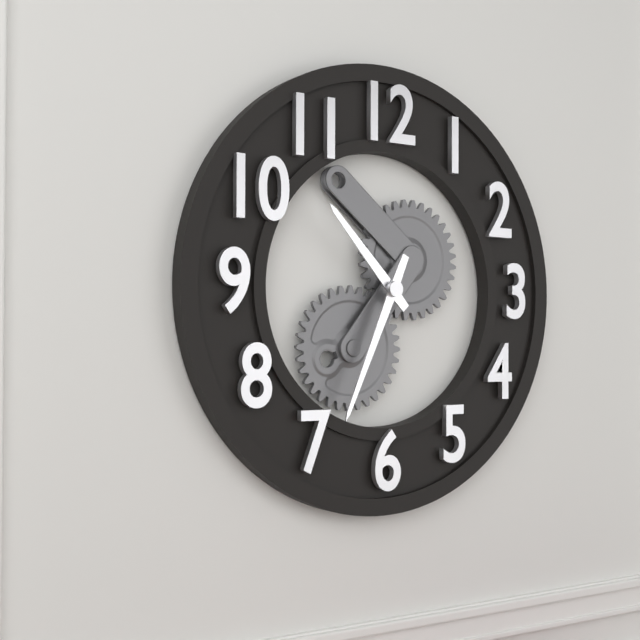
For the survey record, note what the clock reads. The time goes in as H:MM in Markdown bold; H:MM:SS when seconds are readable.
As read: **10:34**
